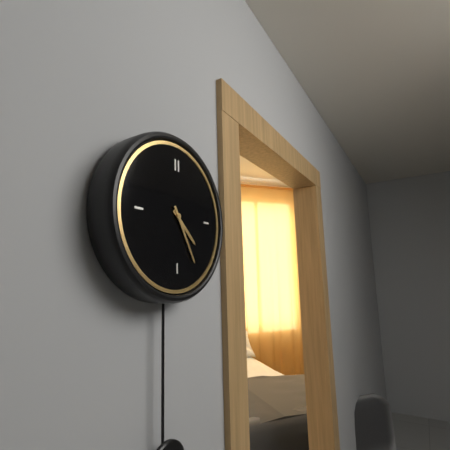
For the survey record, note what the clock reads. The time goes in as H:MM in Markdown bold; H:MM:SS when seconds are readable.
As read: **4:25**
